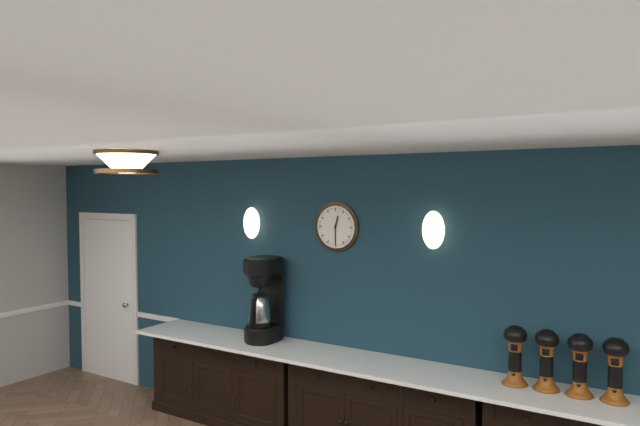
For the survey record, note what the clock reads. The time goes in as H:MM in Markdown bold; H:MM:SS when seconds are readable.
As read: **12:30**
